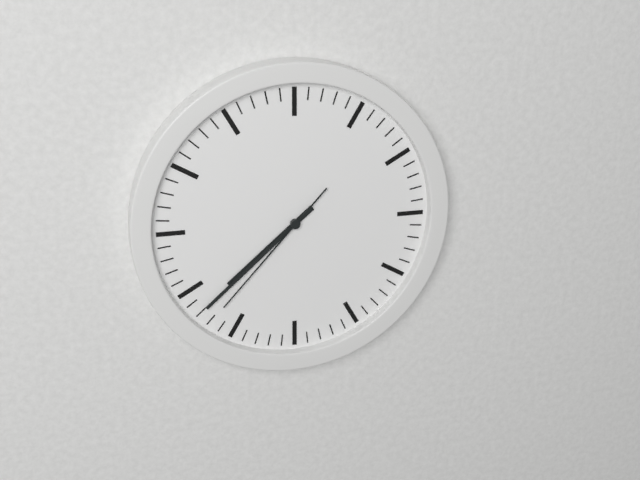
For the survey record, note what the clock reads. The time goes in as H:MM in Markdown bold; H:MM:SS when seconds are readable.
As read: **7:38:37**
